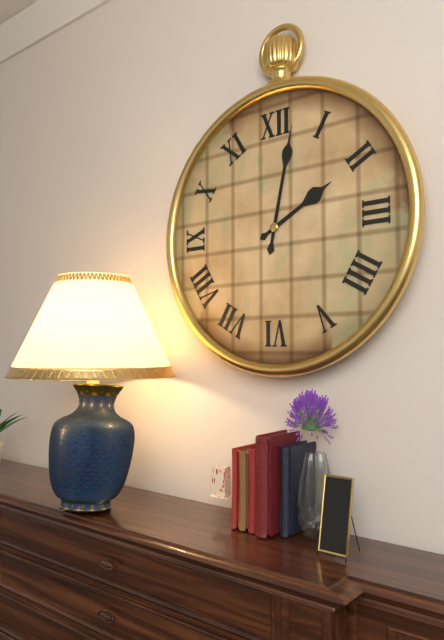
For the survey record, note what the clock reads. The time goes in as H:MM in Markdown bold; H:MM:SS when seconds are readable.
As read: **2:02**
